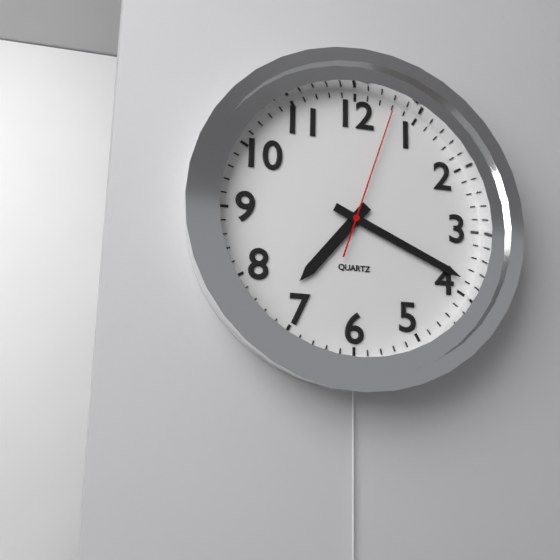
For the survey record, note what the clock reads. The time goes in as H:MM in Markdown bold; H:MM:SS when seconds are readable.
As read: **7:19:03**
